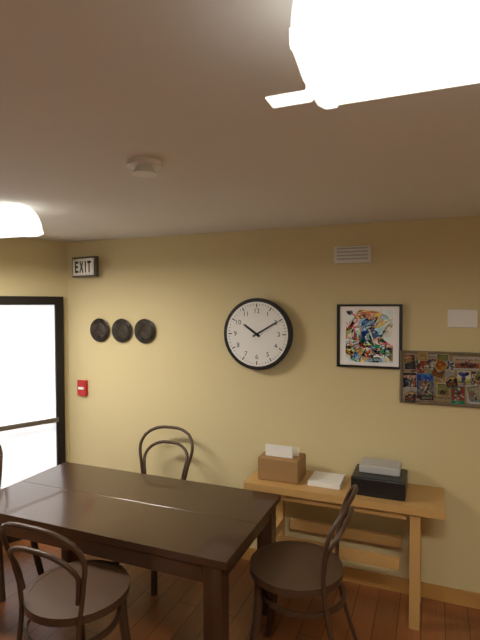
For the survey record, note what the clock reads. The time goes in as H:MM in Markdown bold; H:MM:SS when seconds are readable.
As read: **10:10**
